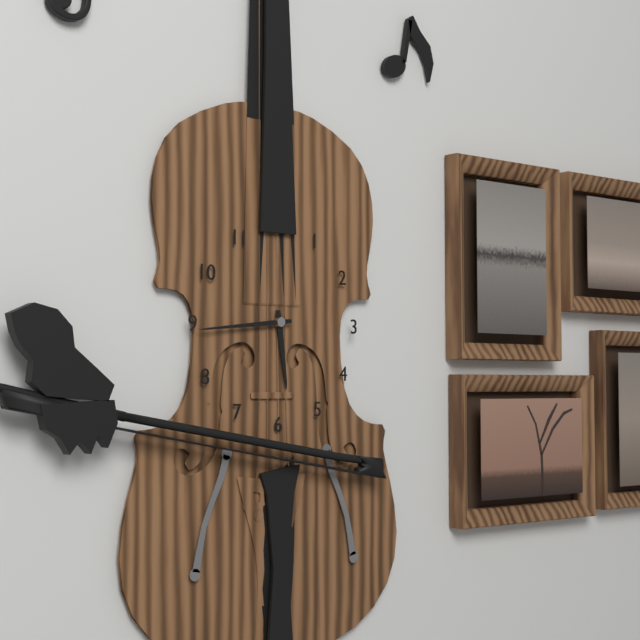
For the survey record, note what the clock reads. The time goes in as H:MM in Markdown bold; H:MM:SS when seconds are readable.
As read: **5:44**
